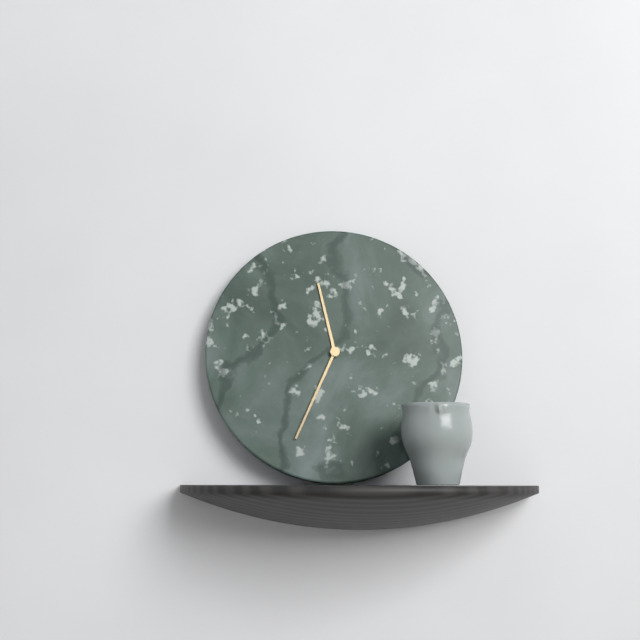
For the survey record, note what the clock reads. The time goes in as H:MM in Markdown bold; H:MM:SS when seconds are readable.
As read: **11:34**
